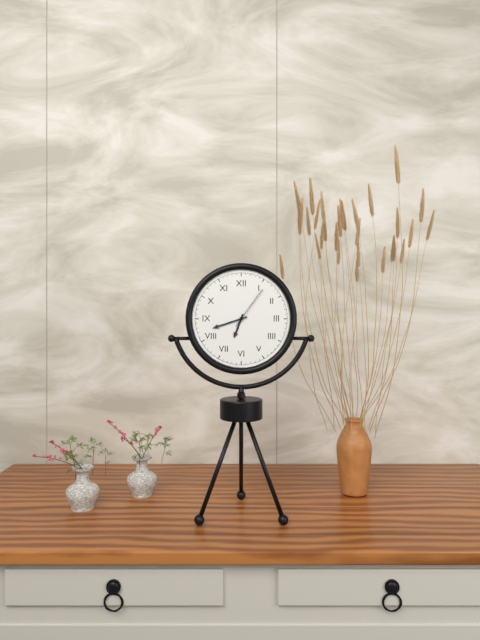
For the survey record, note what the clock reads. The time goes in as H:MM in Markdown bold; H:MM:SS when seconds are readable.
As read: **6:42**
